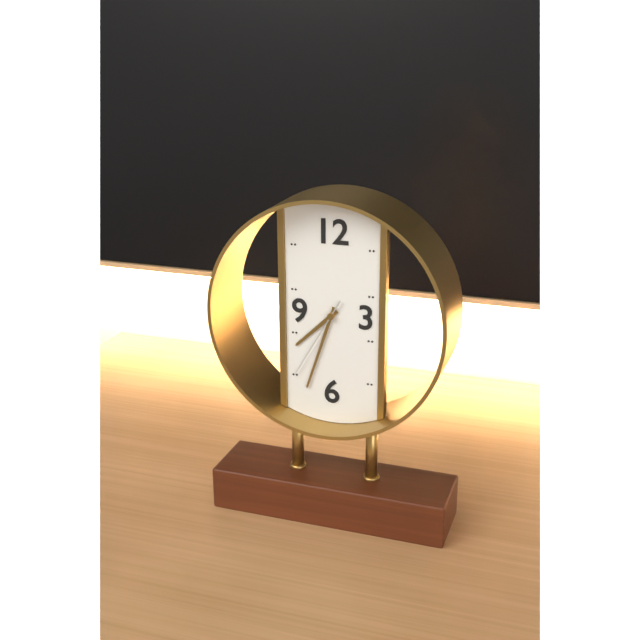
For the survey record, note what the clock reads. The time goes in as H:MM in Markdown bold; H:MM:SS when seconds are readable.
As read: **7:33:35**
